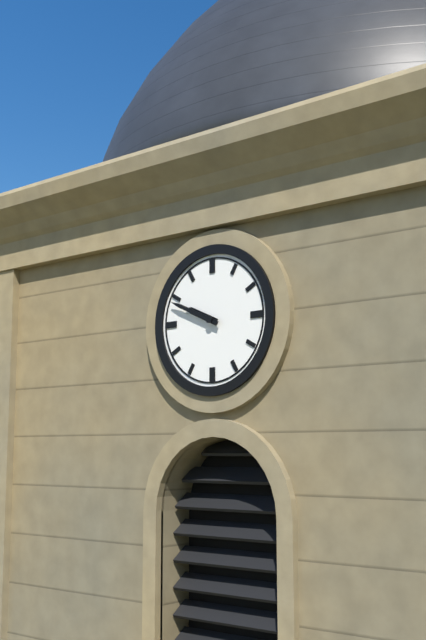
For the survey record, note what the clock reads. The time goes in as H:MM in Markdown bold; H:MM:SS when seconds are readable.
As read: **9:49**
